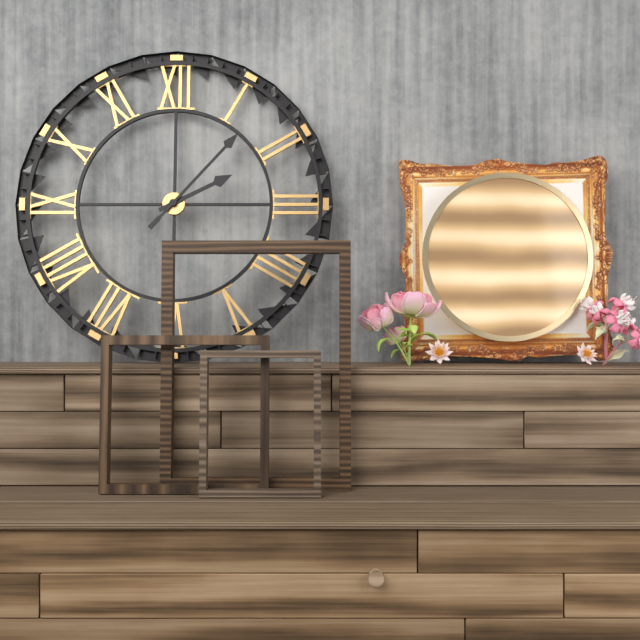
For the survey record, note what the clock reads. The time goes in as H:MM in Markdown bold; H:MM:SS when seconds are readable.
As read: **2:07**
